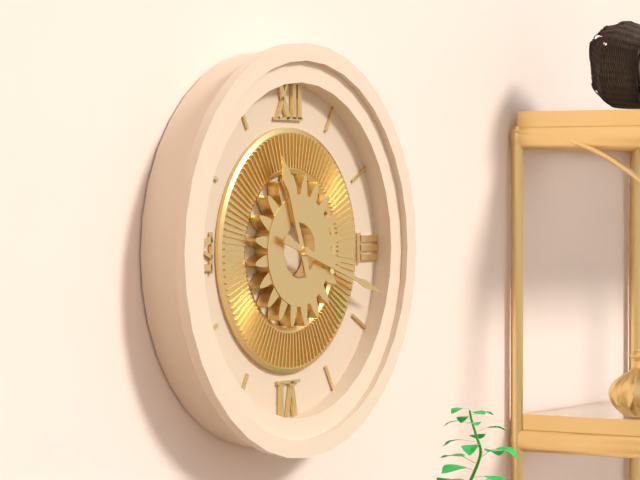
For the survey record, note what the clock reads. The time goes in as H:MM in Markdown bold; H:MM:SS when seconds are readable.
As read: **11:18**
